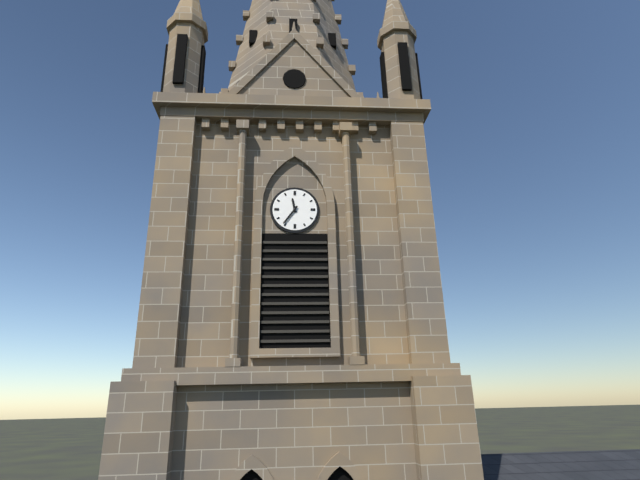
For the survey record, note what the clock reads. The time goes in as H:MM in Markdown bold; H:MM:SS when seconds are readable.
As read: **11:36**
